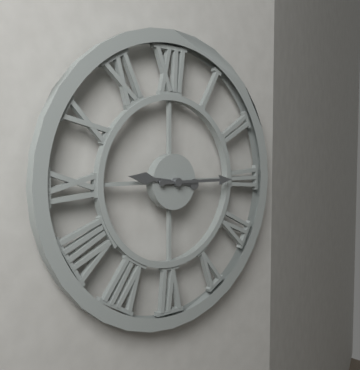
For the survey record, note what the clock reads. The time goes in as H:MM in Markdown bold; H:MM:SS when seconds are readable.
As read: **9:15**
